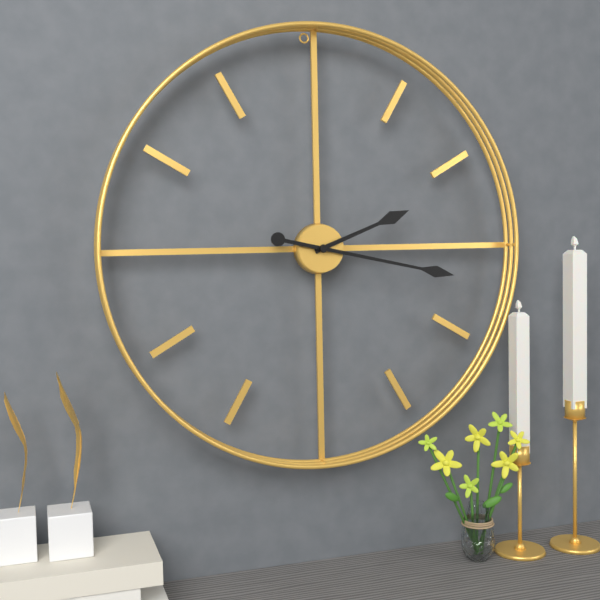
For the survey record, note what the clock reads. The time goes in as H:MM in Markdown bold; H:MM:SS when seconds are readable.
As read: **2:17**
